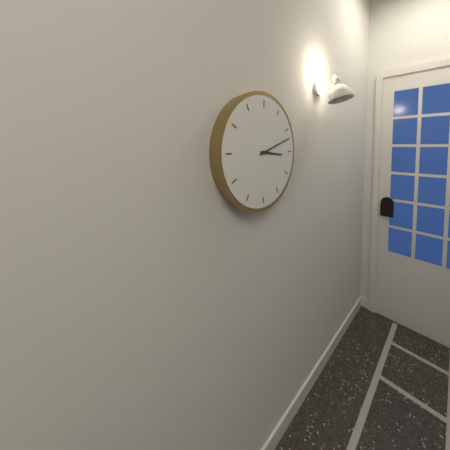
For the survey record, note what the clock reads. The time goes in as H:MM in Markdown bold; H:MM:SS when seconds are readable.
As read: **3:12**
